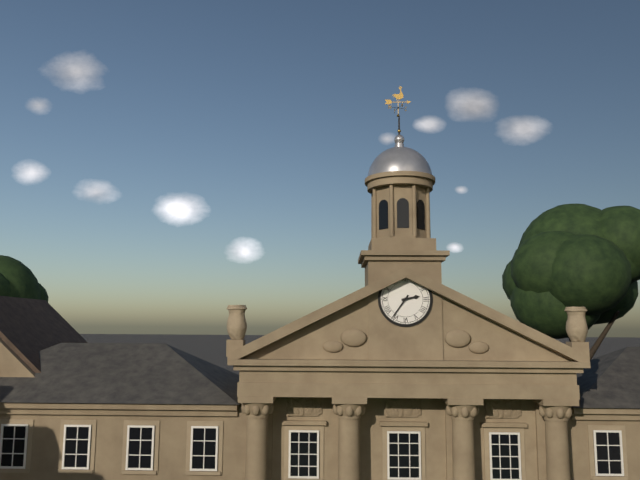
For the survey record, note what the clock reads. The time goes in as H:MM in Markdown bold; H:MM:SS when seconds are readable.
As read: **2:36**
